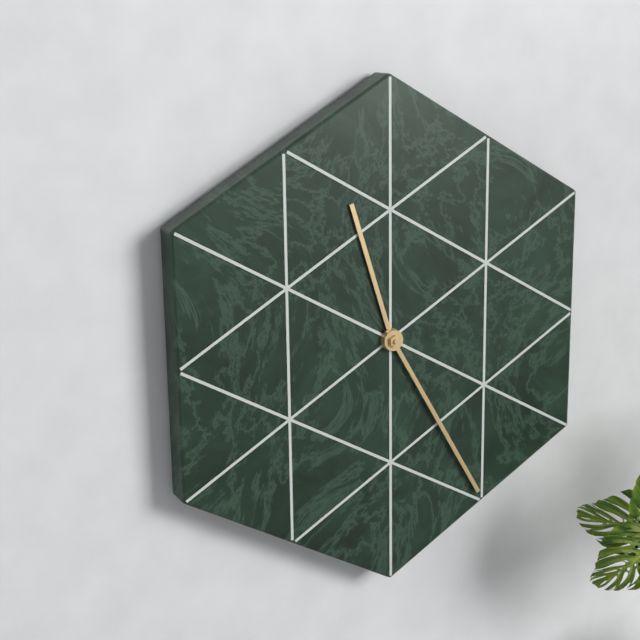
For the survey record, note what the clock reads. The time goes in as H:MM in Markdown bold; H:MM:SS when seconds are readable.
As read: **11:25**
